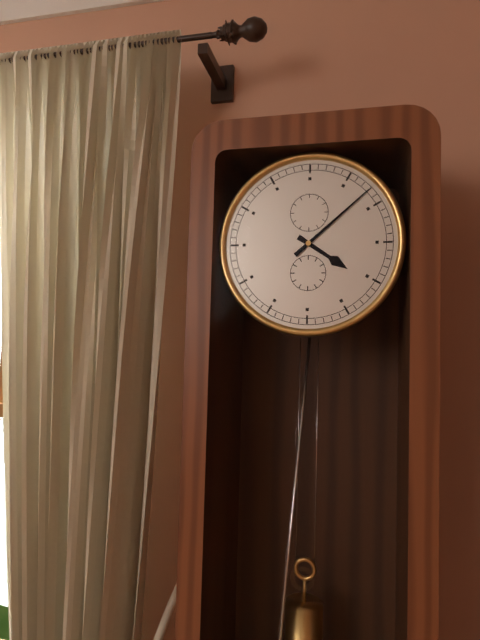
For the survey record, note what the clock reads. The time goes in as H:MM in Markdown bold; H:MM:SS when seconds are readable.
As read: **4:08**
